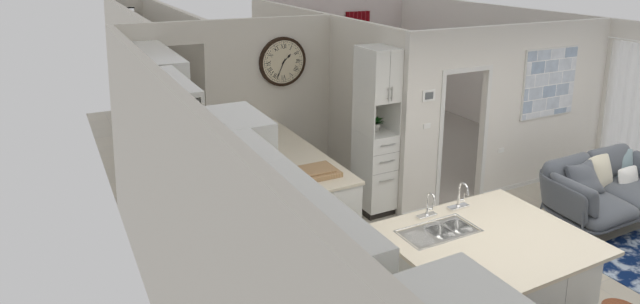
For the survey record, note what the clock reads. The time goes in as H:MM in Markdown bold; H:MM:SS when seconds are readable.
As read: **1:34**
